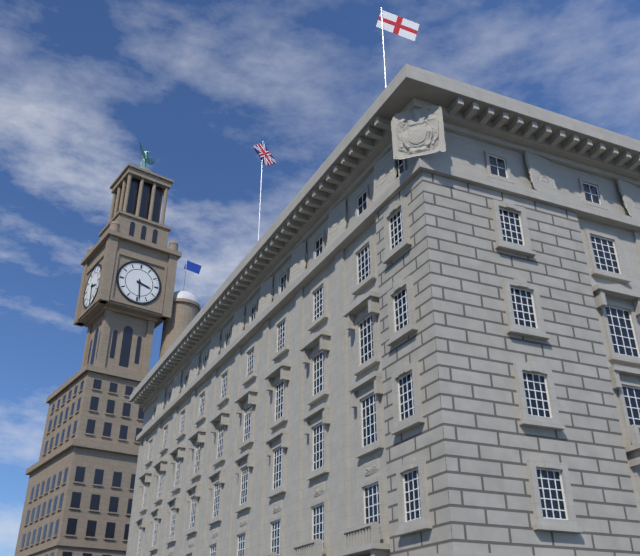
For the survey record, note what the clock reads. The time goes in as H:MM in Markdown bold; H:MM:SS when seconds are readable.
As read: **3:29**
